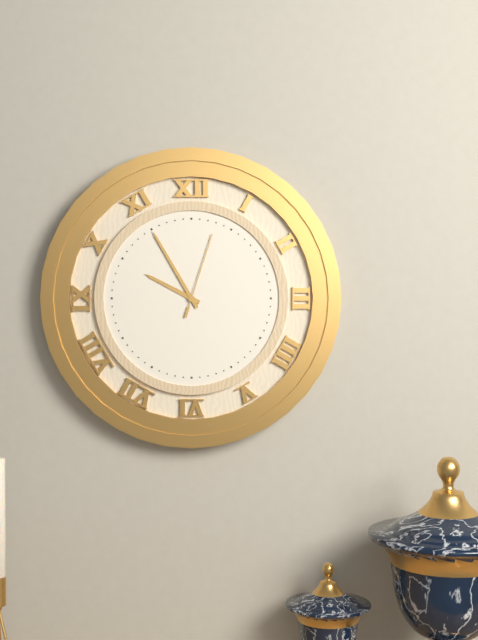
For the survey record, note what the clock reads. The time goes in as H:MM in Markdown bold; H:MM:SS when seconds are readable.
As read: **9:55:03**
